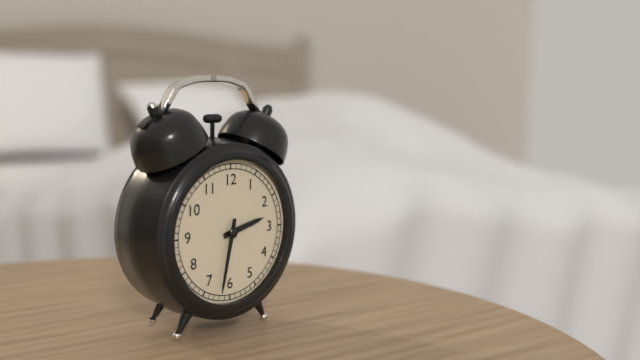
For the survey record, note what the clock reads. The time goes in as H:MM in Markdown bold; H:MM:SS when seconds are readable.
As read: **2:32**
